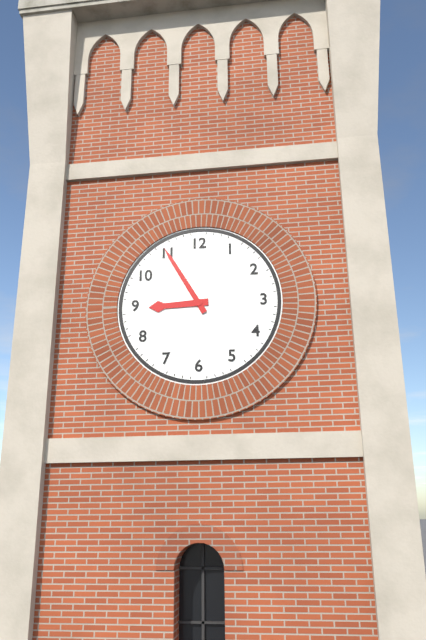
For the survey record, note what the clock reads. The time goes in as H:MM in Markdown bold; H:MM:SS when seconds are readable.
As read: **8:55**
